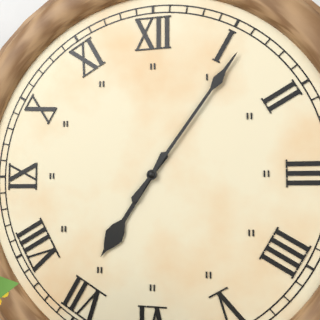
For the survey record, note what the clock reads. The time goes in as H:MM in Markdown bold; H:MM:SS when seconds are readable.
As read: **7:06**
